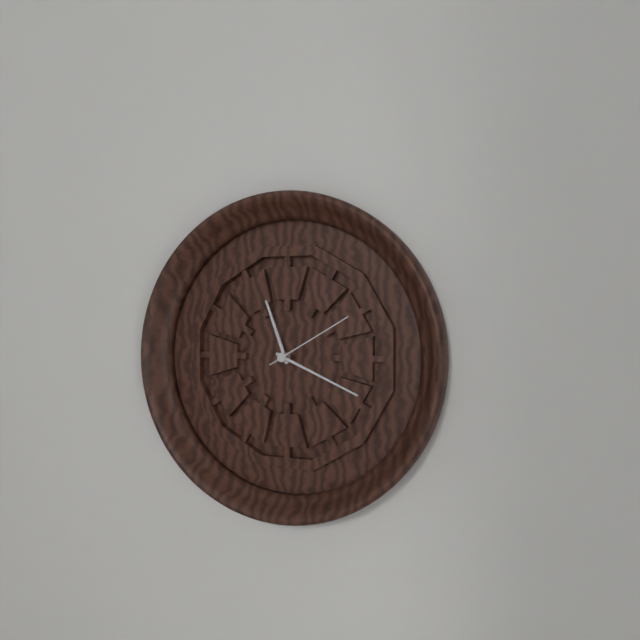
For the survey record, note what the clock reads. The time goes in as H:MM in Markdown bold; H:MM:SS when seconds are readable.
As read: **11:19:10**
